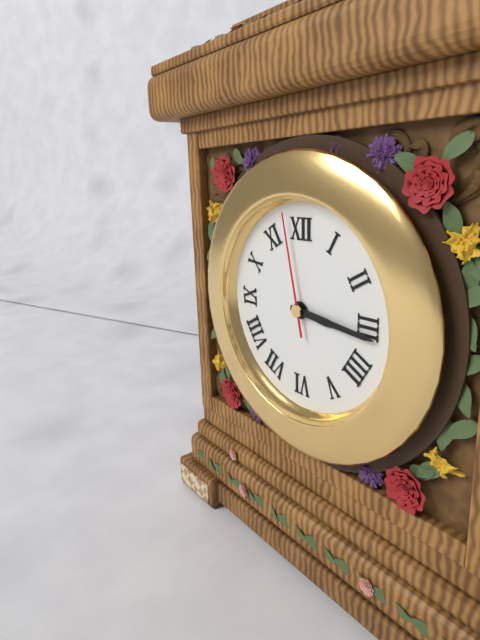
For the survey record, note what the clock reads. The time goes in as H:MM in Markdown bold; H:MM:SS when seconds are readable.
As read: **3:16:58**
